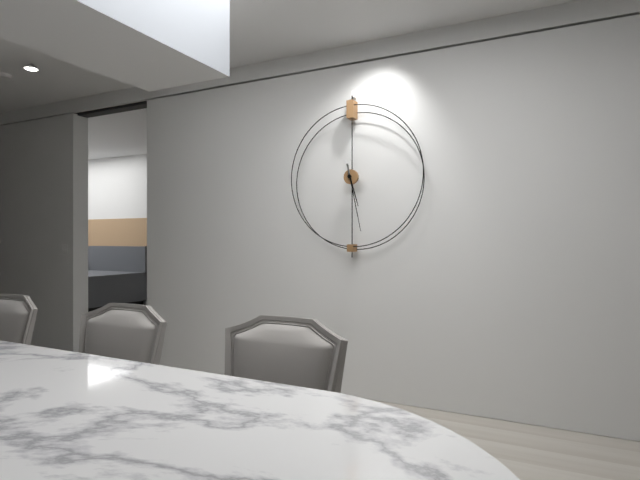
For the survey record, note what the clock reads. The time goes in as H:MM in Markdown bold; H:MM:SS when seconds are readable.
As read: **5:28**
